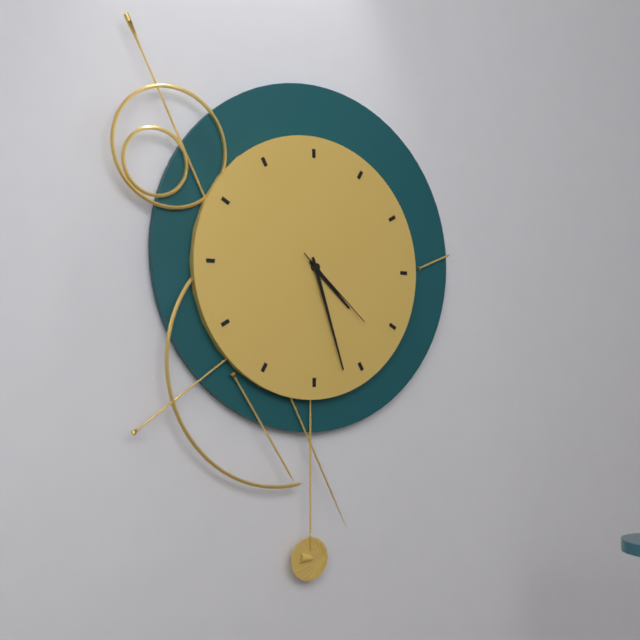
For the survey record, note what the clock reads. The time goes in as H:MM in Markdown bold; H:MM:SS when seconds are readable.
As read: **4:27:22**
